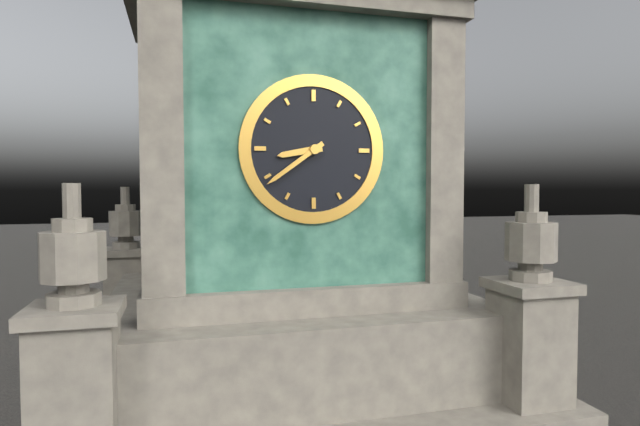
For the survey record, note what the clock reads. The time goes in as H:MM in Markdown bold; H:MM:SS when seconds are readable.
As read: **8:39**
